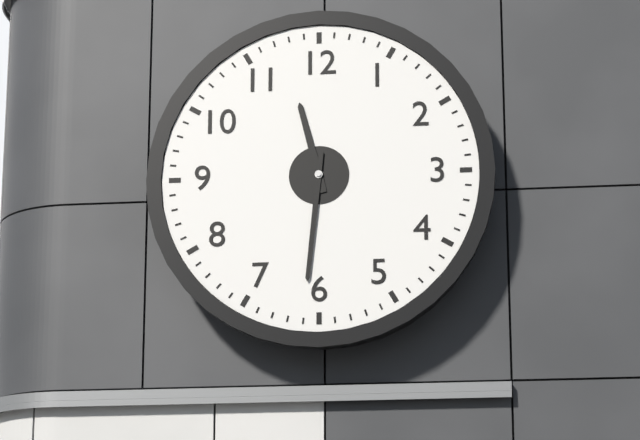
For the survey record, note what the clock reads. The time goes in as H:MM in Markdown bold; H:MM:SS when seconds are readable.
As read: **11:31**
